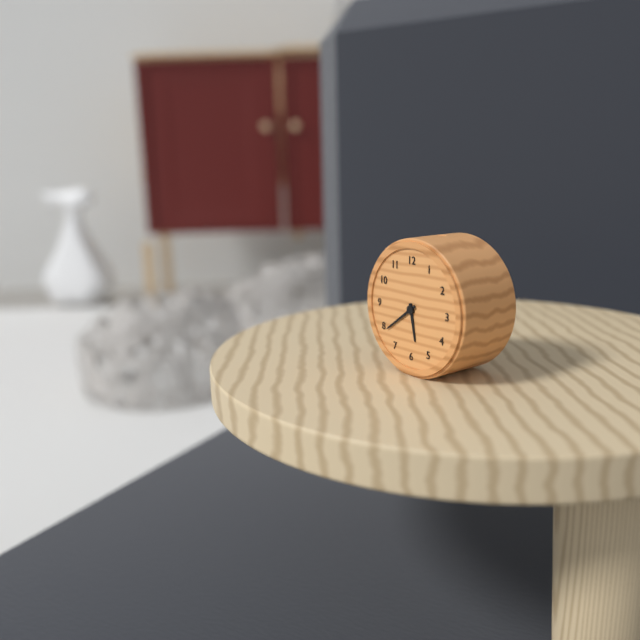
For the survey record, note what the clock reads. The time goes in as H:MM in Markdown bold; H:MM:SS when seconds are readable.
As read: **5:39**
